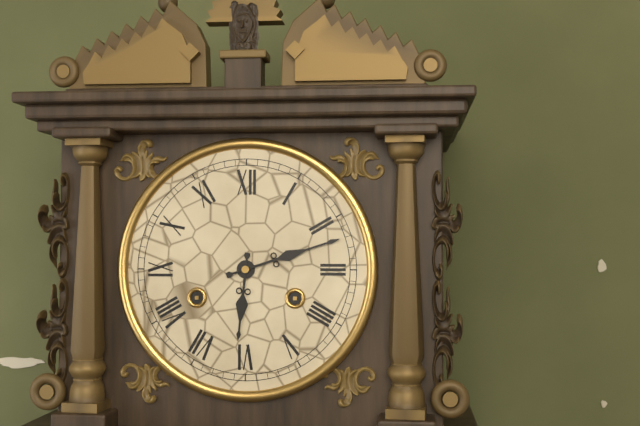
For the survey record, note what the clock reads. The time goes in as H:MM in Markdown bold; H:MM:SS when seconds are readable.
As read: **6:12**
